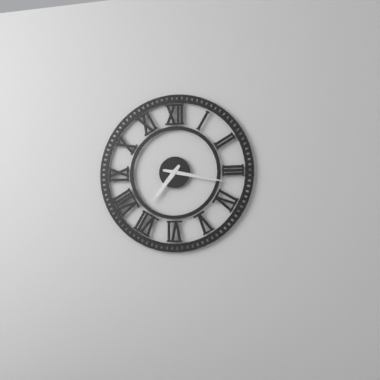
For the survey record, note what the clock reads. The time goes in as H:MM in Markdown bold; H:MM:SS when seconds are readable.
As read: **7:17**
